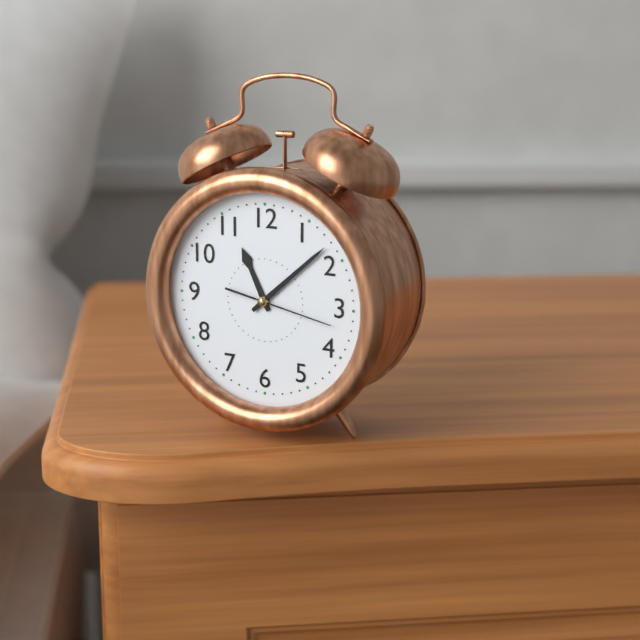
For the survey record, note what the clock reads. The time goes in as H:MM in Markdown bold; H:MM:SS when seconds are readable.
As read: **11:08:17**
